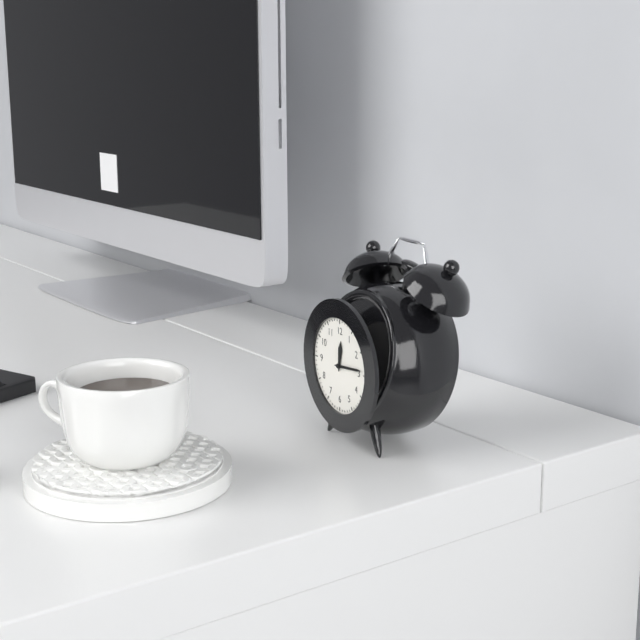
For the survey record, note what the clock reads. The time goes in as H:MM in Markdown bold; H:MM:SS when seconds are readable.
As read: **12:14**
